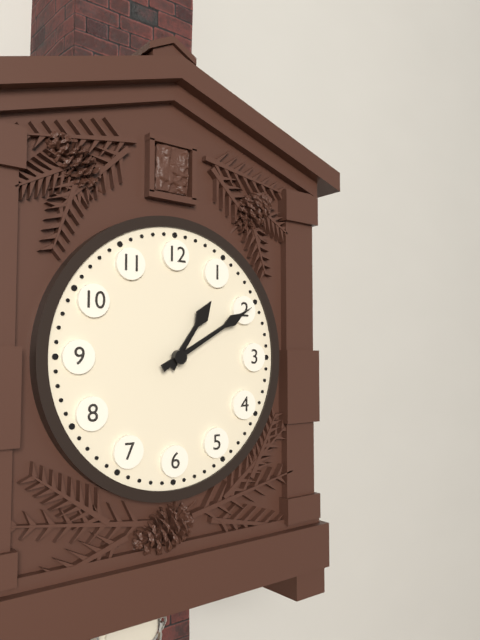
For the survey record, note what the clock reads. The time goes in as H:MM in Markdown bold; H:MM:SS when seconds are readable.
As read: **1:10**
